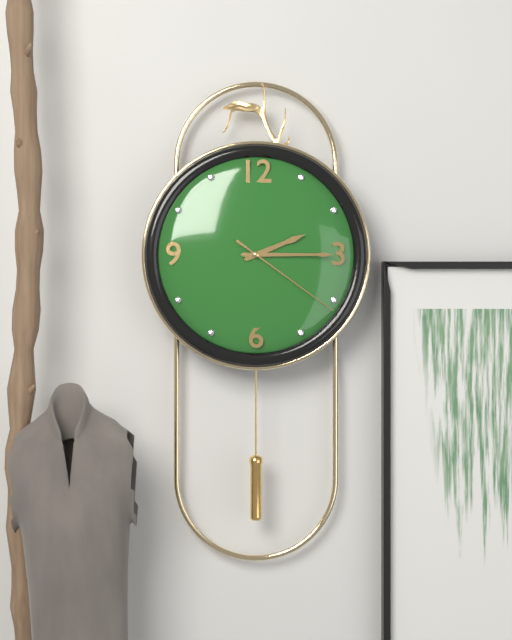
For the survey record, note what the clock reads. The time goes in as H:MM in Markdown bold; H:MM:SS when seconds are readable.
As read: **2:15:21**
